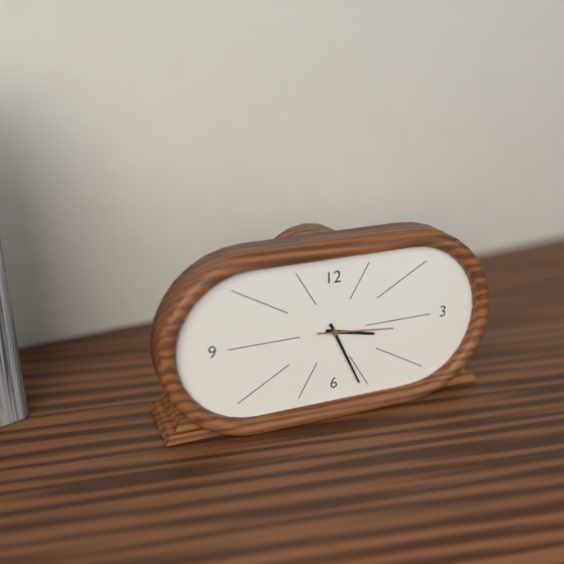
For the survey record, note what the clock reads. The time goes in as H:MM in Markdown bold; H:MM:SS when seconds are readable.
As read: **3:26:16**
